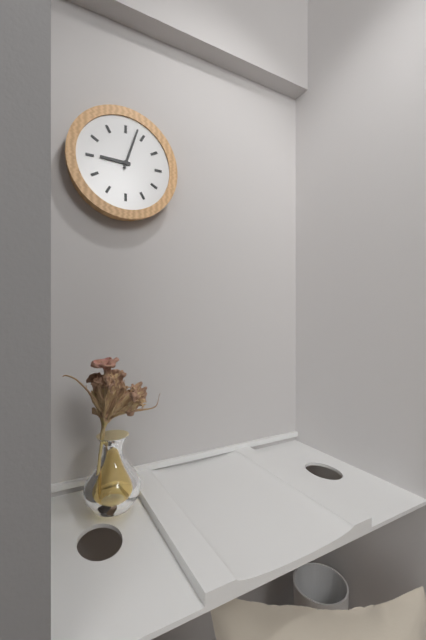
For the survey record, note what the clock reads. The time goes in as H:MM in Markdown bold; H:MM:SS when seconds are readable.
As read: **9:03**
